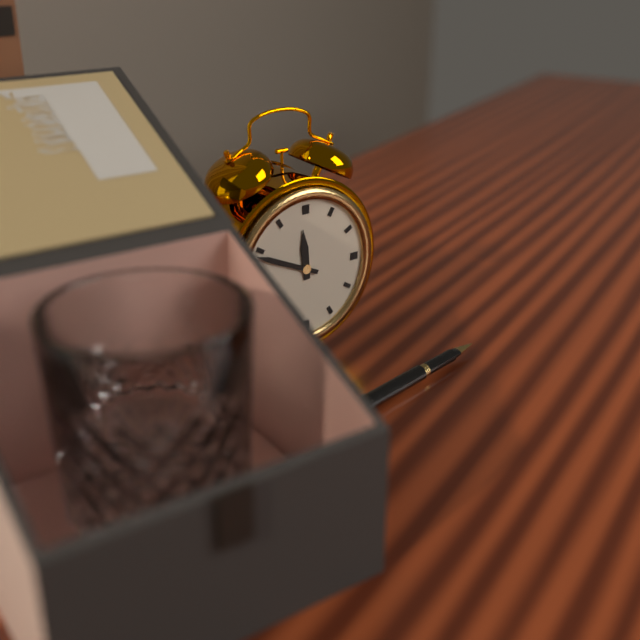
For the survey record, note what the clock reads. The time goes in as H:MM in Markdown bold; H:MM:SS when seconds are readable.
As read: **11:49**
